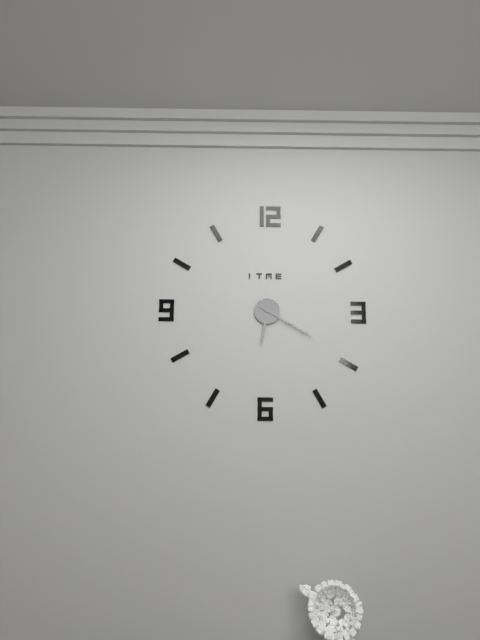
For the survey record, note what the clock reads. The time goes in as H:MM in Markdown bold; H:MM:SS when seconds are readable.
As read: **6:20**
